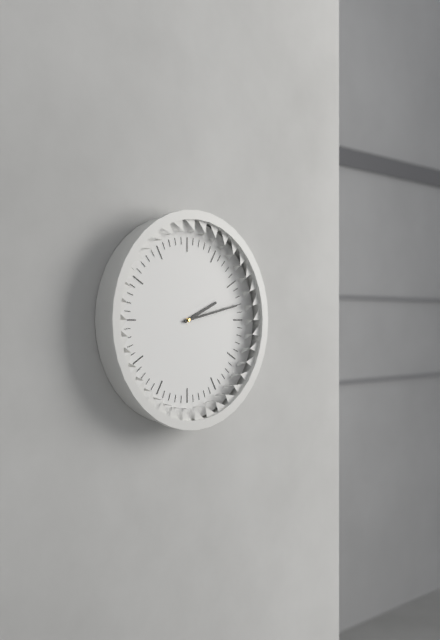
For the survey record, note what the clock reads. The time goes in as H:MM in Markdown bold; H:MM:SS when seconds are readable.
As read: **2:13**
